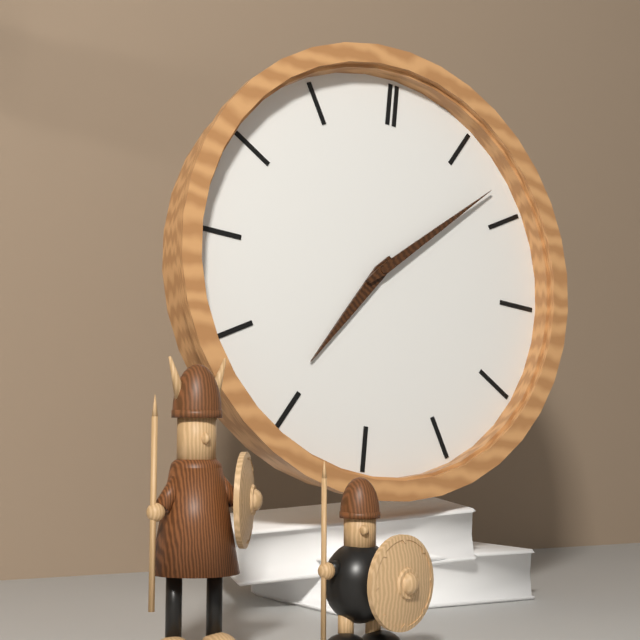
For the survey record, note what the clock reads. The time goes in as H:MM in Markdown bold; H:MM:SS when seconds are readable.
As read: **7:08**
